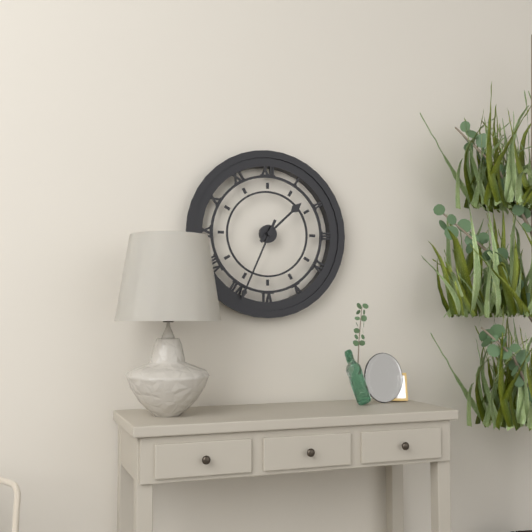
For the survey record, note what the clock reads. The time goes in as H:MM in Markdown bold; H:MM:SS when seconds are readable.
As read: **1:34**
